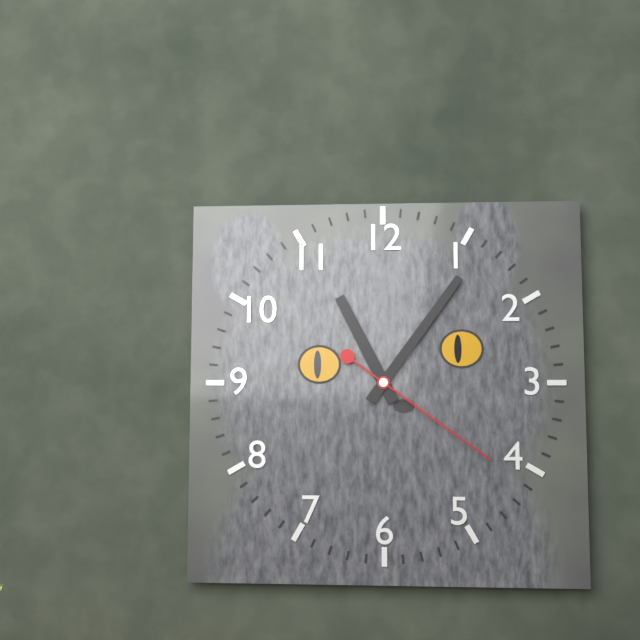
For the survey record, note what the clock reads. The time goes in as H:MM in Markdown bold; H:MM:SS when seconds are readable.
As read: **11:06:21**
